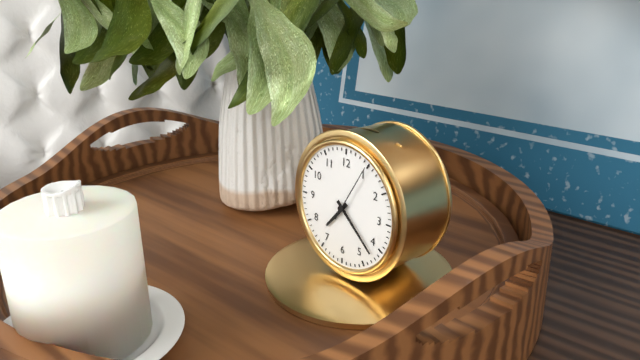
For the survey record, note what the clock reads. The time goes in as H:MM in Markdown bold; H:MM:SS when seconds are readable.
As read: **7:22:05**
